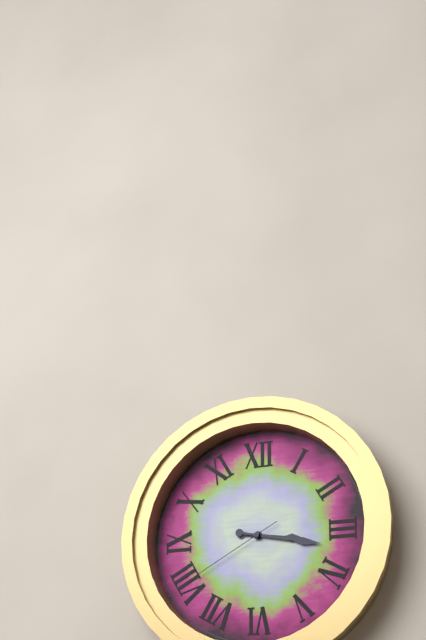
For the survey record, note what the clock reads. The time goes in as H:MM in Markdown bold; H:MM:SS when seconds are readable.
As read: **3:17:40**
